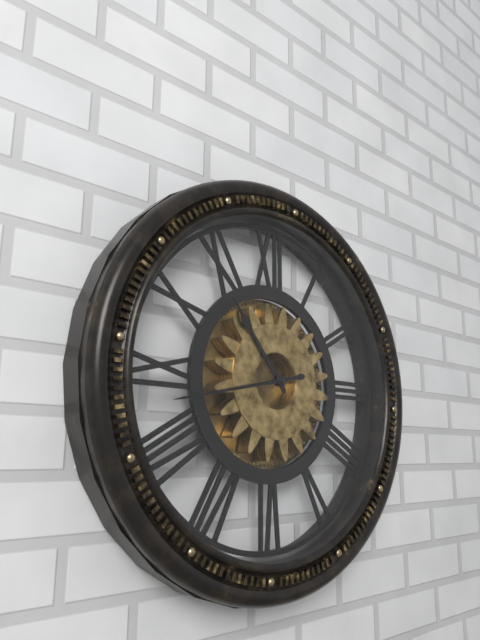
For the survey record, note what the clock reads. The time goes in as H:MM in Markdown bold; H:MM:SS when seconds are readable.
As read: **10:43**
